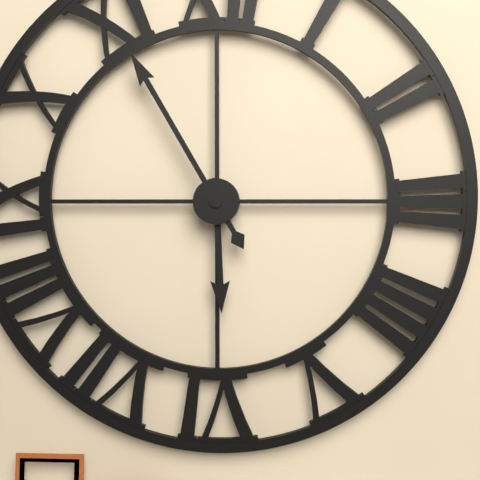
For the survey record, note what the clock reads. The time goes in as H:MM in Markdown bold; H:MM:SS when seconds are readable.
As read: **5:55**
